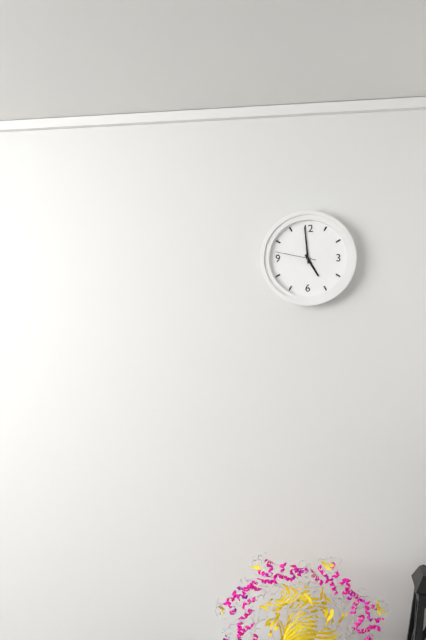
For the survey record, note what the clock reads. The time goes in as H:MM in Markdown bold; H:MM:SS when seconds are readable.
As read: **4:59**
